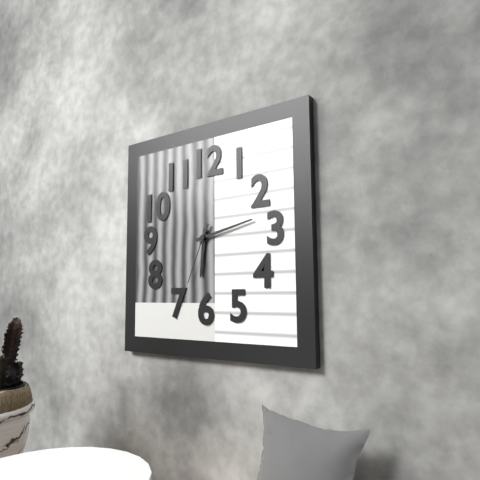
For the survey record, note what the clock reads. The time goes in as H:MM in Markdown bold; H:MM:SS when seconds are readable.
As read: **6:13:34**
